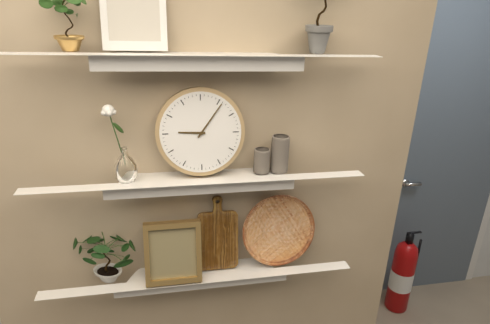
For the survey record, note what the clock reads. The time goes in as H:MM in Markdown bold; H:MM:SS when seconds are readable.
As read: **9:06**
